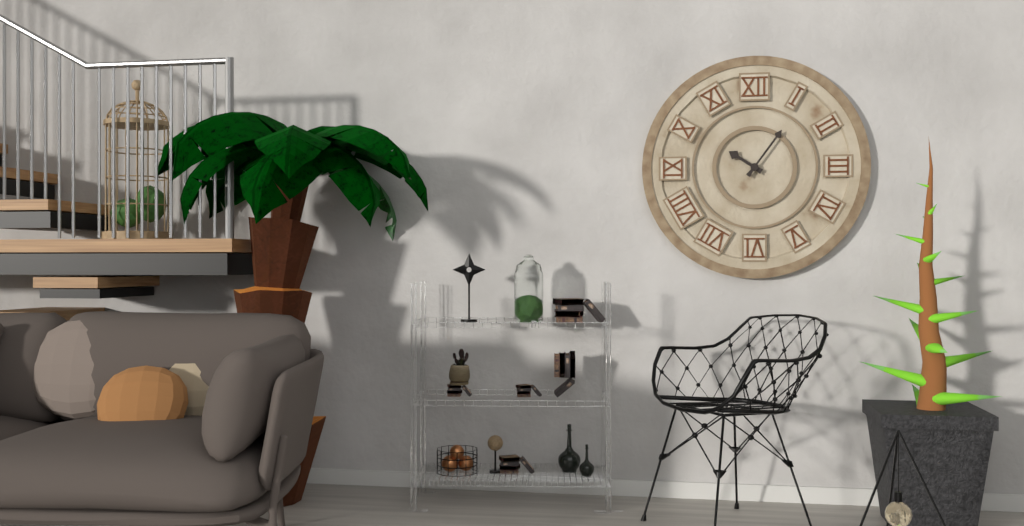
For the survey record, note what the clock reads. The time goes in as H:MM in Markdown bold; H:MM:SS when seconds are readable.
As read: **10:06**
